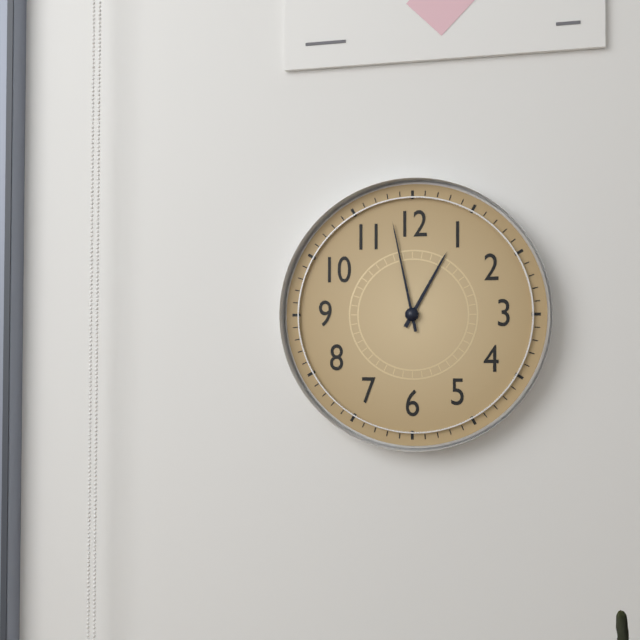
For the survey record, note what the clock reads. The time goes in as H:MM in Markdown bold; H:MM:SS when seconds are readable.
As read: **12:58**
